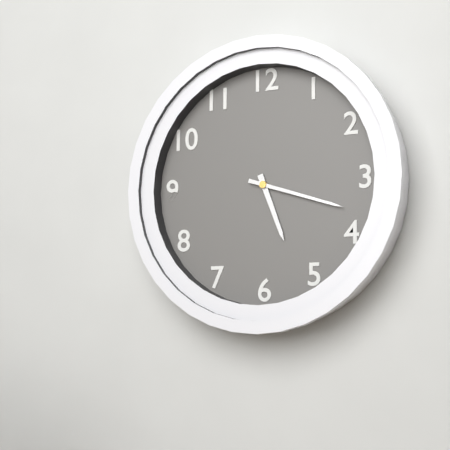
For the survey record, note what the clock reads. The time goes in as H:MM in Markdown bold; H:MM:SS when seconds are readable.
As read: **5:18**
